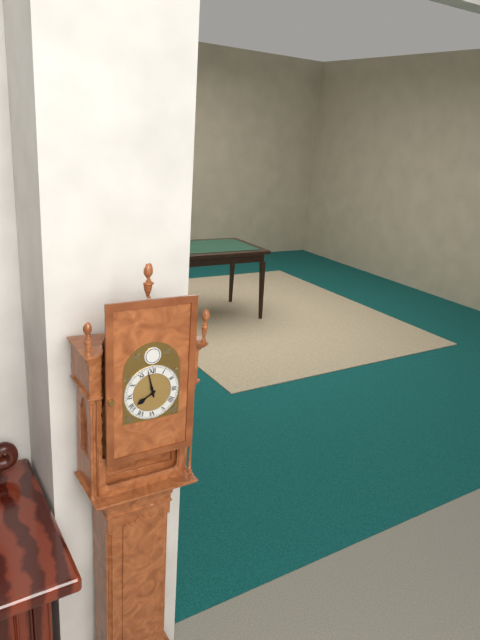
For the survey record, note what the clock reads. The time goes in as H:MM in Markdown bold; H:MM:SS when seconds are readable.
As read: **7:58**
